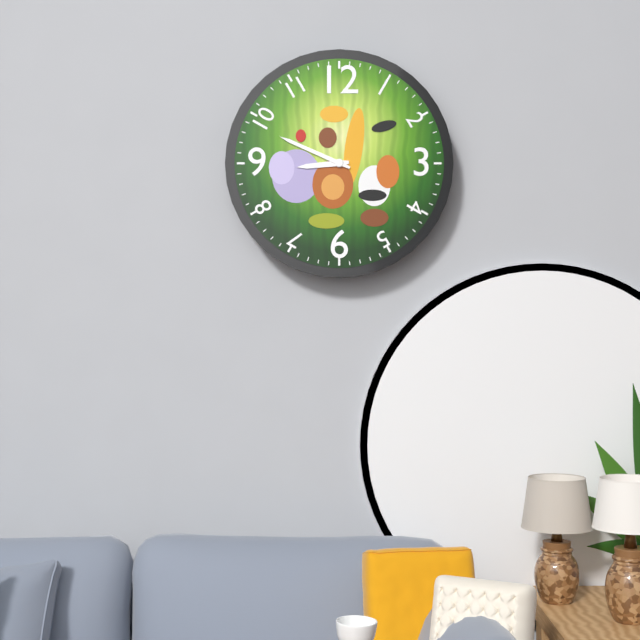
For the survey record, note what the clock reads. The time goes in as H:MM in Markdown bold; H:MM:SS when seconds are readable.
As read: **8:49**
